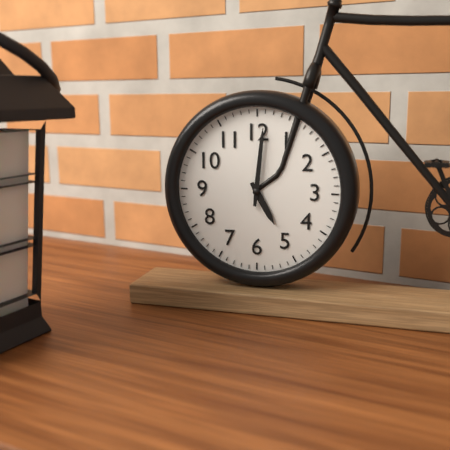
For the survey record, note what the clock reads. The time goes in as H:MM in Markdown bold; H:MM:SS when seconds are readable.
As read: **5:01**
